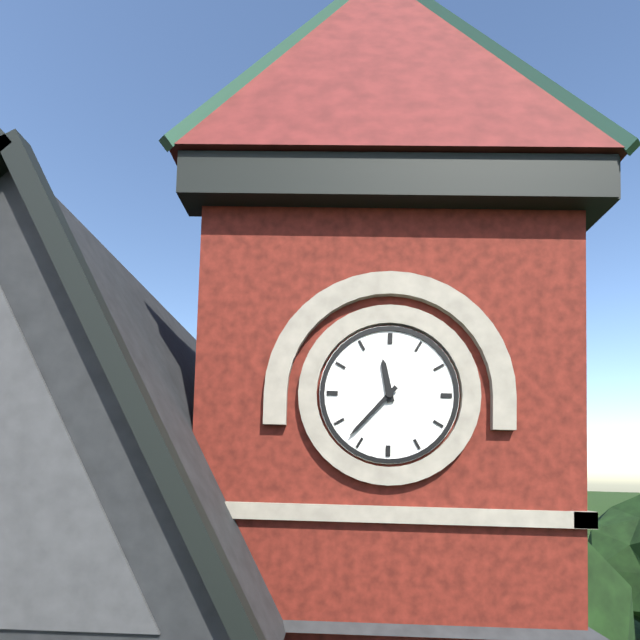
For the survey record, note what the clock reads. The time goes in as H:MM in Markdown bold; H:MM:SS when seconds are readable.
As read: **11:37**
